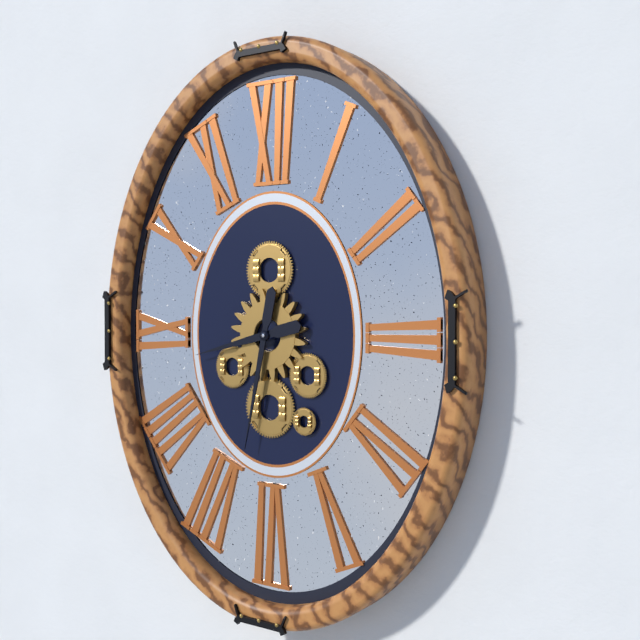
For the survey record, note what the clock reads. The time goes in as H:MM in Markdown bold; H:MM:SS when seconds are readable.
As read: **8:32**
